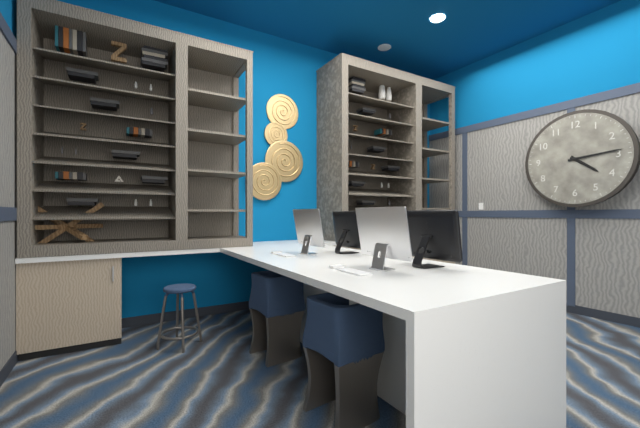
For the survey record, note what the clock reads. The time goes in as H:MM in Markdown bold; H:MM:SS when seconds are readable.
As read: **4:14**
